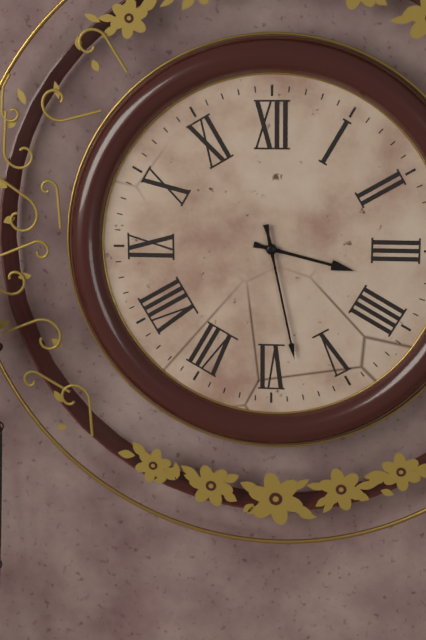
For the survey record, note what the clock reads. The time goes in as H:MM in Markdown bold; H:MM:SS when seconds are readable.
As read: **3:28**
